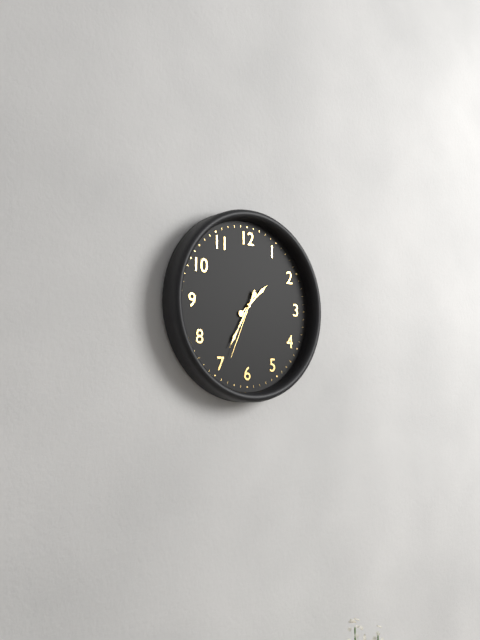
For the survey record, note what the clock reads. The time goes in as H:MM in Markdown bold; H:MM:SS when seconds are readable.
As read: **1:35:34**
